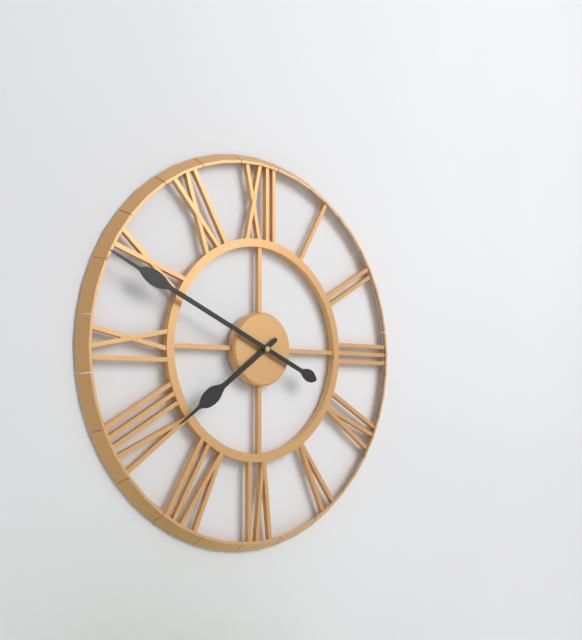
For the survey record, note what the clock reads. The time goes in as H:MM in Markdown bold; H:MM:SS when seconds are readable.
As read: **7:49**
